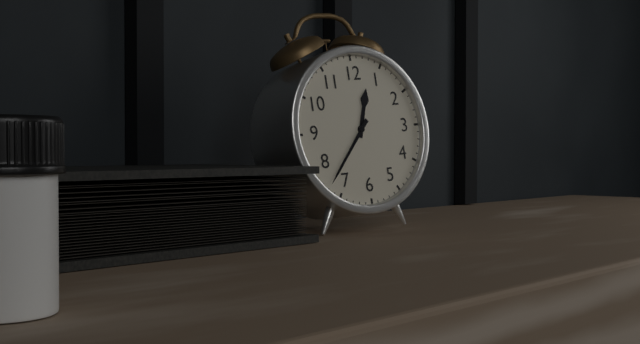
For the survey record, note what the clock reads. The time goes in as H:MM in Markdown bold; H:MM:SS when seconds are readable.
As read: **12:37**
